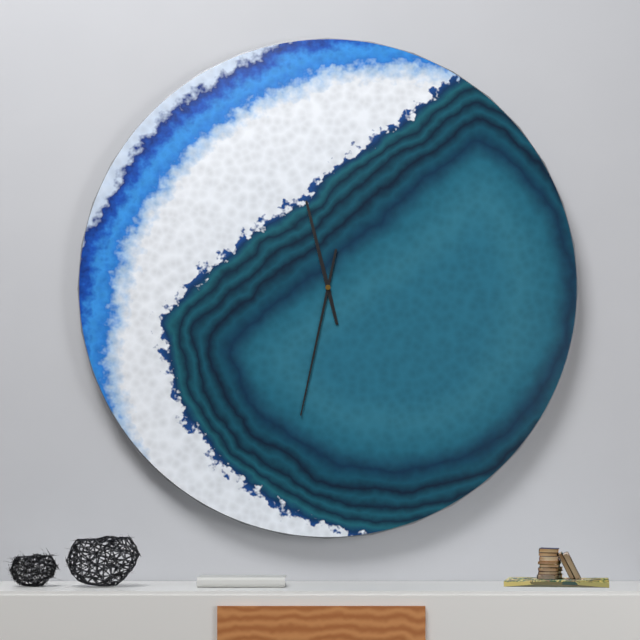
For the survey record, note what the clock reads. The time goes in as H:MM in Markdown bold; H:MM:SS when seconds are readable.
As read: **11:32**
